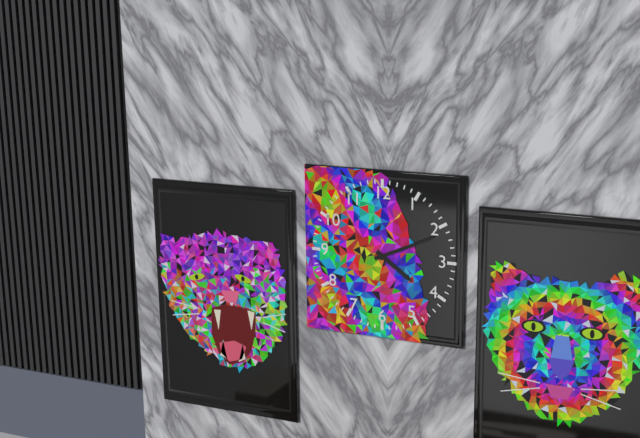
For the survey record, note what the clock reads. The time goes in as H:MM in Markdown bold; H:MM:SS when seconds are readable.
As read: **4:11**
